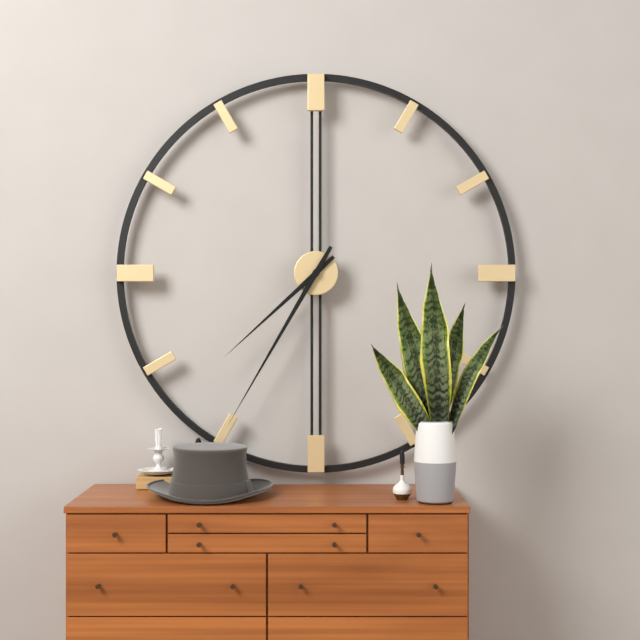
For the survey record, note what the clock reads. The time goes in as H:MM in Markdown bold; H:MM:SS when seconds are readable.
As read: **7:35**
